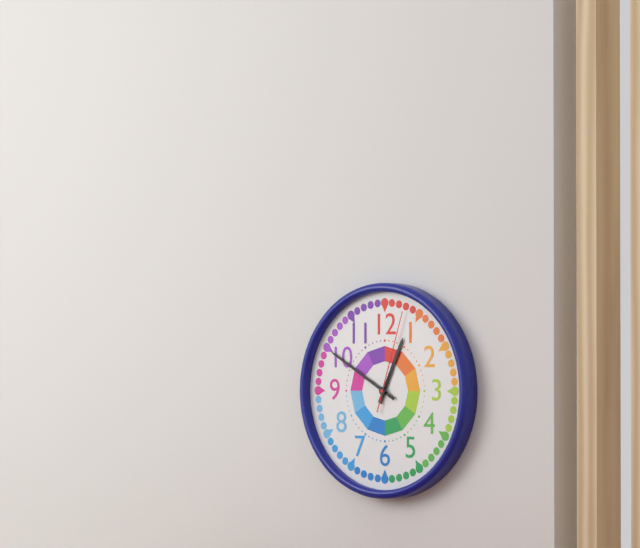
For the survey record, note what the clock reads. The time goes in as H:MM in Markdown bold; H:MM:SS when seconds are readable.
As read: **12:50:03**
